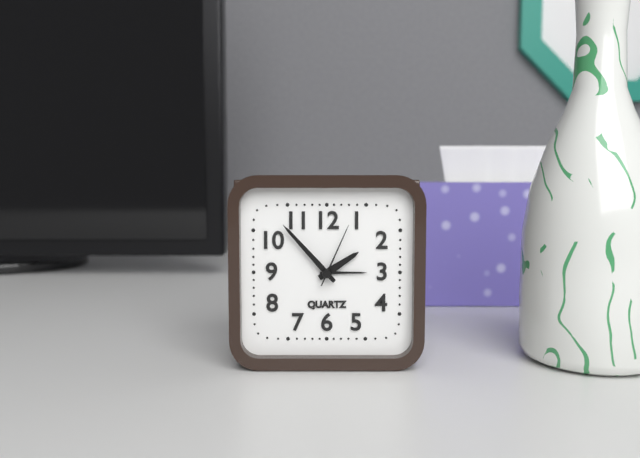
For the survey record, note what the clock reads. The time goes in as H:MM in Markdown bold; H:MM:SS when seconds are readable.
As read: **1:53:04**
